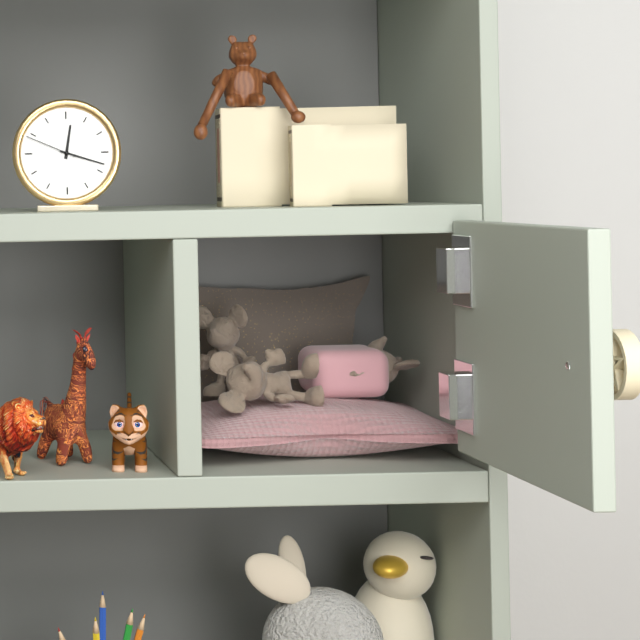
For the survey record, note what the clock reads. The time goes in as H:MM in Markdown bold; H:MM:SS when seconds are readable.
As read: **12:18:49**
